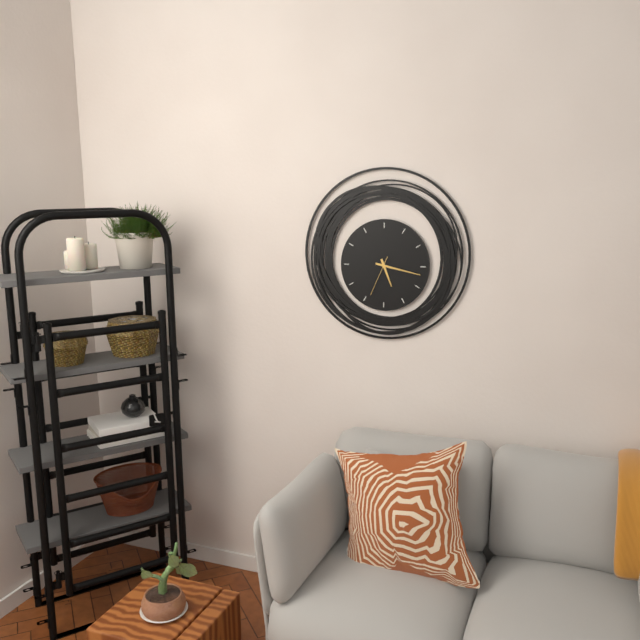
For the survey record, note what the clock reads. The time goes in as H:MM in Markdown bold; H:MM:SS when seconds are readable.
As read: **5:17**
